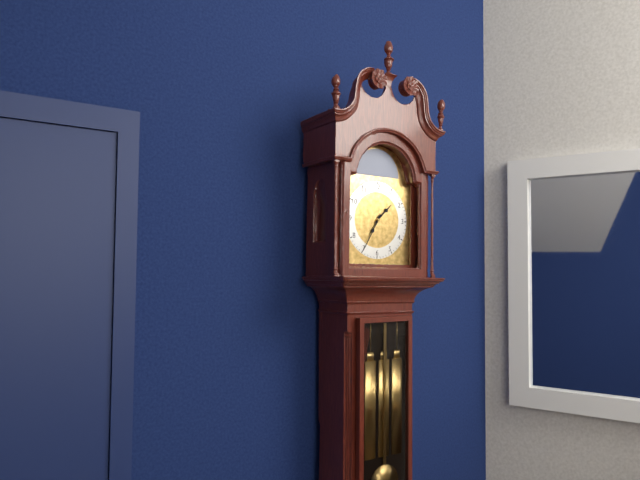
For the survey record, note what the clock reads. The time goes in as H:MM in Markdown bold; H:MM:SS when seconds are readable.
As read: **1:35**
